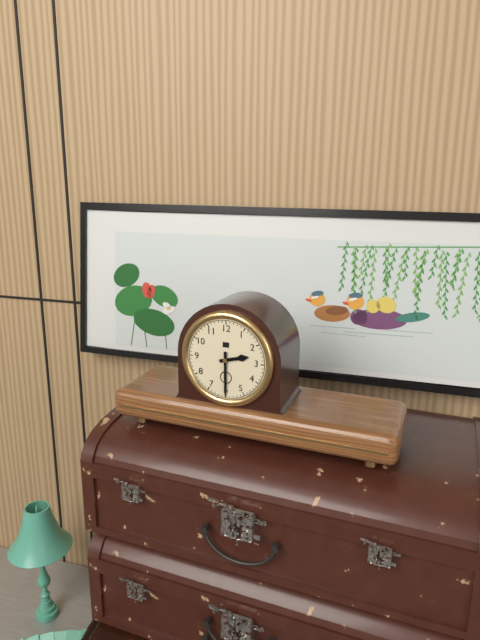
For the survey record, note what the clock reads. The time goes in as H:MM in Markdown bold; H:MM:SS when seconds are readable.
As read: **2:30**
